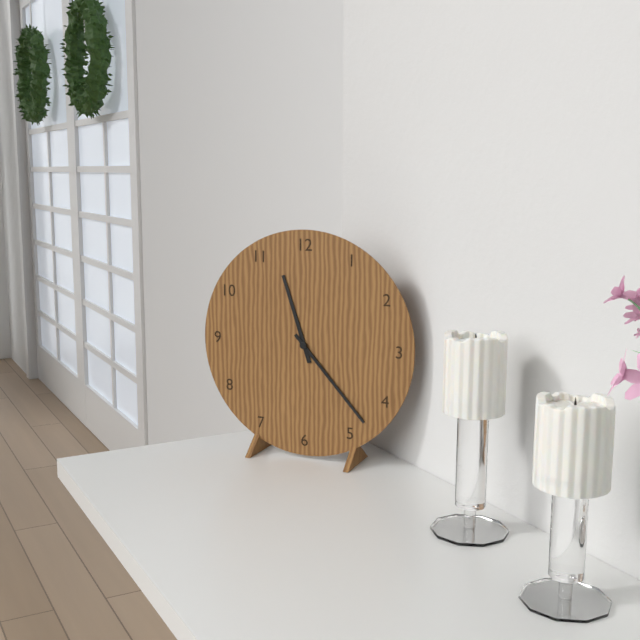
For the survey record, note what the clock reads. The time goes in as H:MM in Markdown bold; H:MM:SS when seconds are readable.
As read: **11:23**
